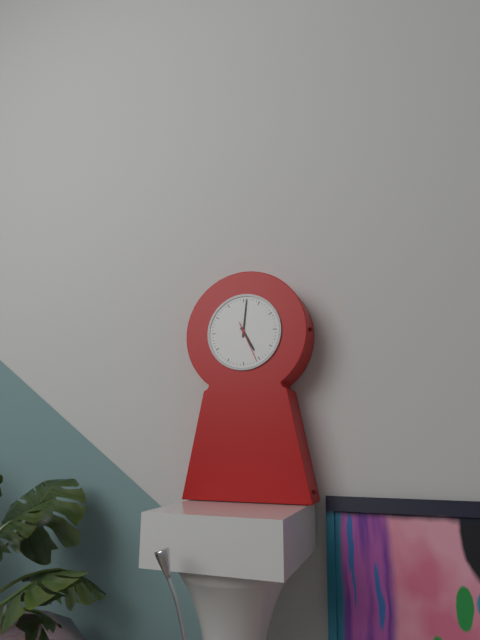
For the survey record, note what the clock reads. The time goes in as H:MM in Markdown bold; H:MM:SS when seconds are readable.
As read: **5:01**
